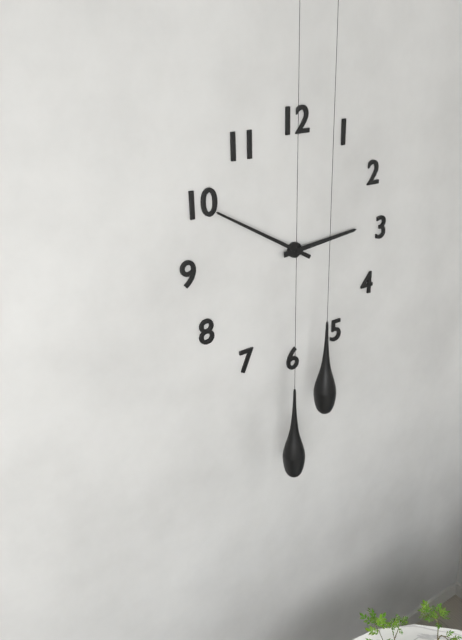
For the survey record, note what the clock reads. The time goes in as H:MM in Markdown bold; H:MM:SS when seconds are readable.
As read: **2:50**
